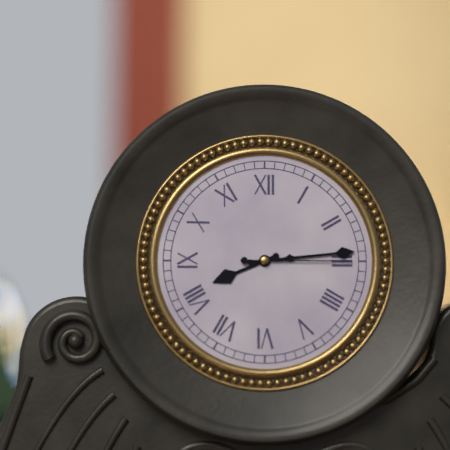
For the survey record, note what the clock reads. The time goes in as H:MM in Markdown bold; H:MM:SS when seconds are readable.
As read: **8:14:15**
